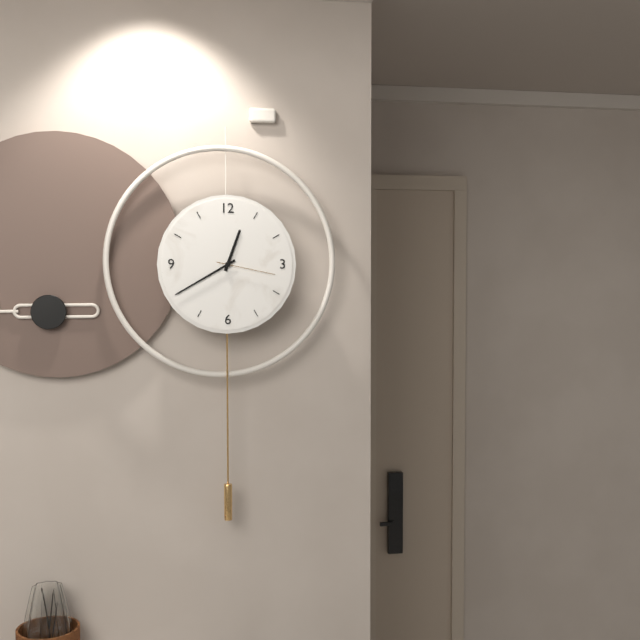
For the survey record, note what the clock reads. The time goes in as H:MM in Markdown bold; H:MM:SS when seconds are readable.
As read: **12:40:17**
